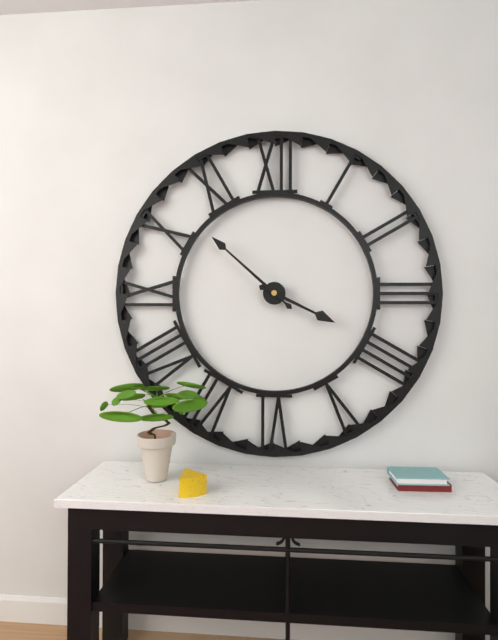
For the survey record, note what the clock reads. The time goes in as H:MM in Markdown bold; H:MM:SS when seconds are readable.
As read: **3:52**
